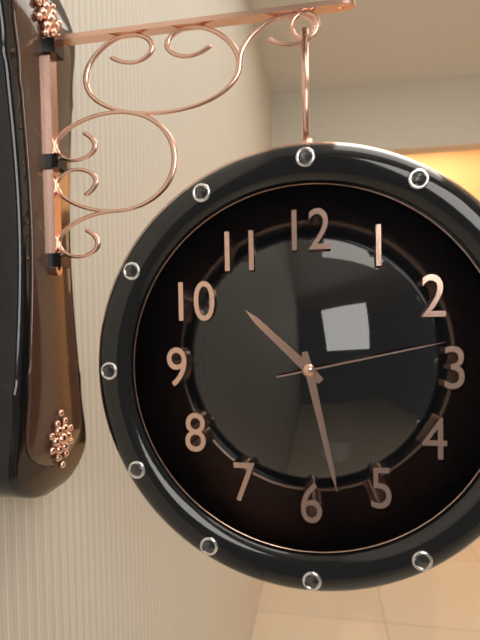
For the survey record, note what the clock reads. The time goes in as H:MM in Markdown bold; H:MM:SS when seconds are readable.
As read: **10:28:13**
